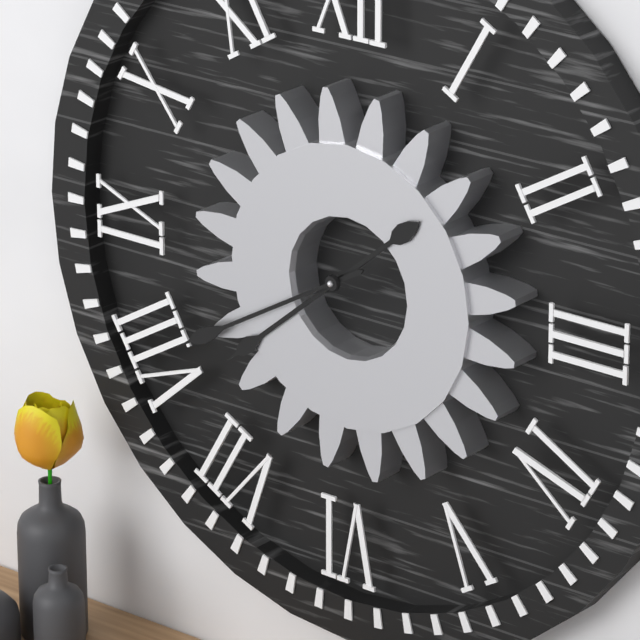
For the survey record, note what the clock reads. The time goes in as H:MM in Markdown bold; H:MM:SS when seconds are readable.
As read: **7:40**
